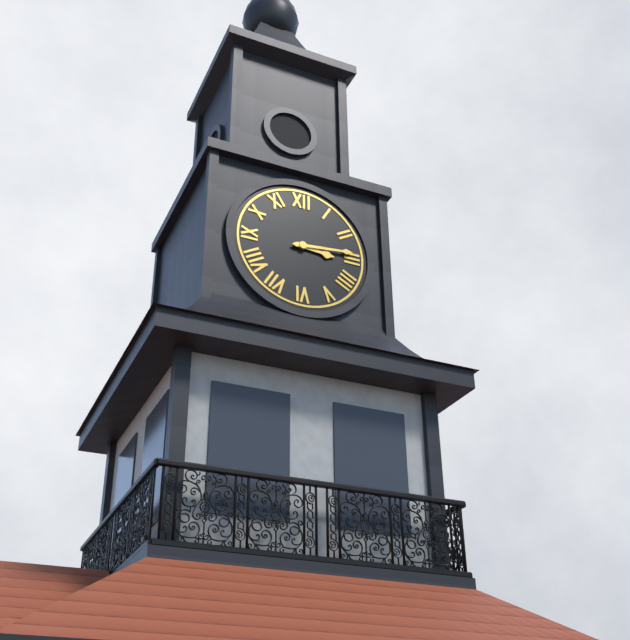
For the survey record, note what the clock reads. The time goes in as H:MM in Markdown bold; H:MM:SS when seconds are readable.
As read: **3:14**
